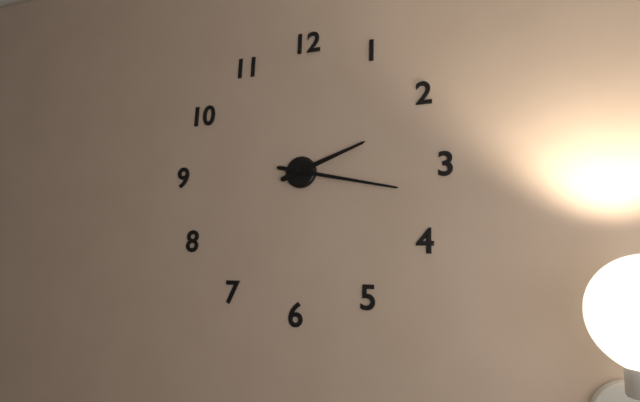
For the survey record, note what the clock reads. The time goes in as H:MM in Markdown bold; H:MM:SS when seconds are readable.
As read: **2:17**
